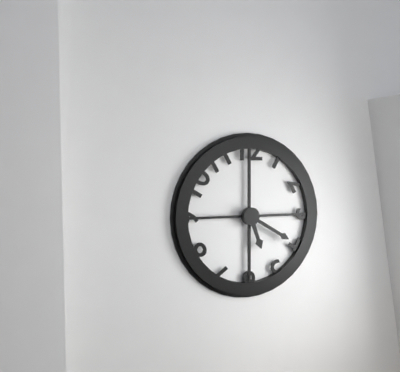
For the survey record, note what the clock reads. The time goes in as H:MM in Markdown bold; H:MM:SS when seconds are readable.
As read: **5:20**
